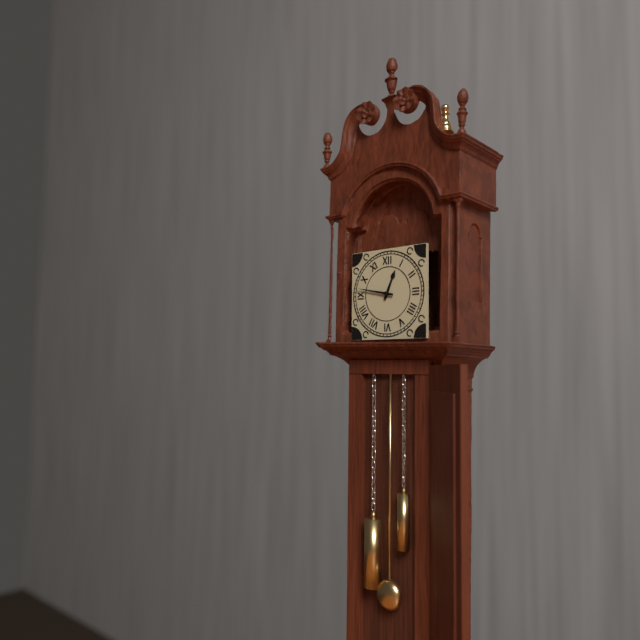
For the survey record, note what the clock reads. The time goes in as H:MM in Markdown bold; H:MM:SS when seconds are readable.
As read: **12:47**
